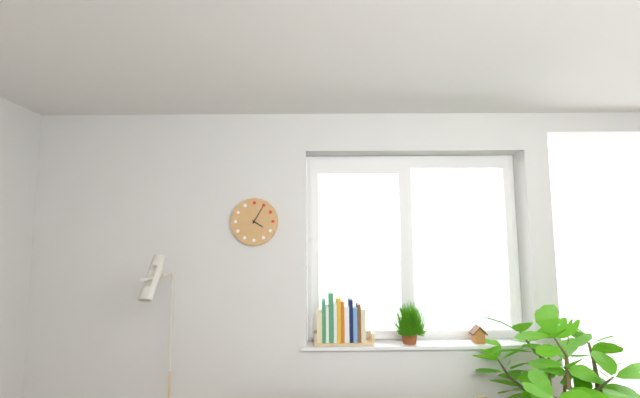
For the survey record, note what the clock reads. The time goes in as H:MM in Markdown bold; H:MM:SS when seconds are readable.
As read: **4:05**
